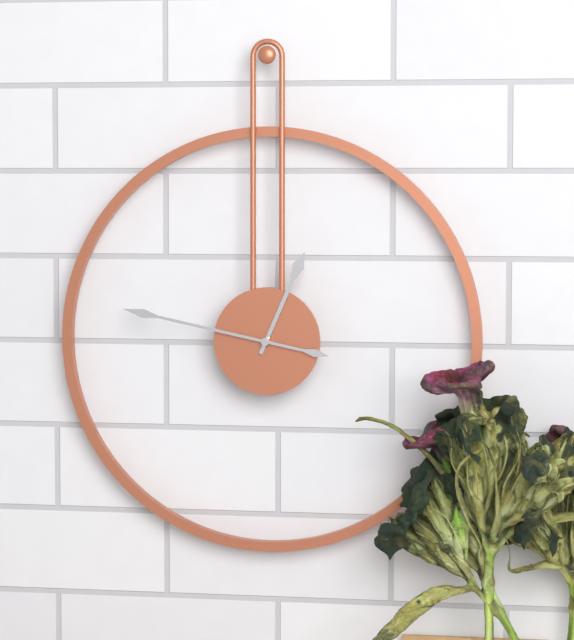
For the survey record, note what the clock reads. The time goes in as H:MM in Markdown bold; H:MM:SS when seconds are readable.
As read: **12:47**
